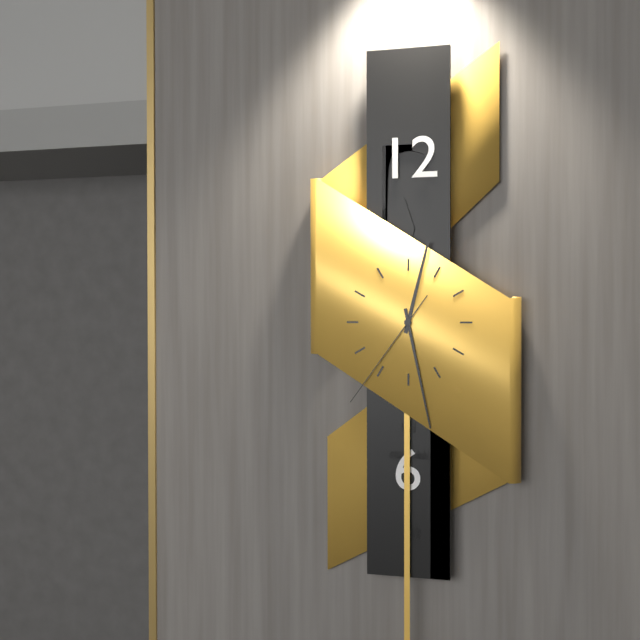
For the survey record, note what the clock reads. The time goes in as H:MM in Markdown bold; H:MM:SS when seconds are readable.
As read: **12:28:36**
